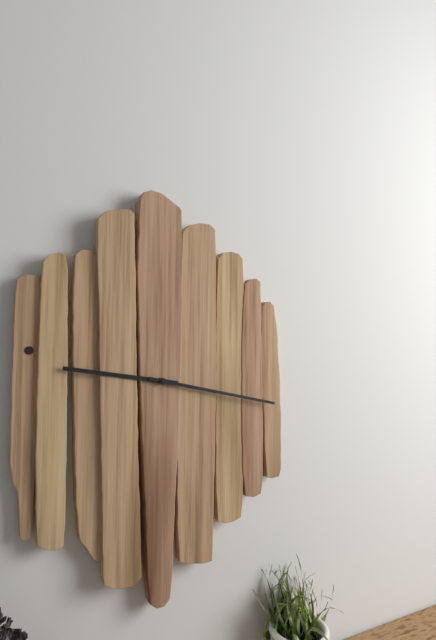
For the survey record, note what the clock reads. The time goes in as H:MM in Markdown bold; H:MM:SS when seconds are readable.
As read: **9:17**
